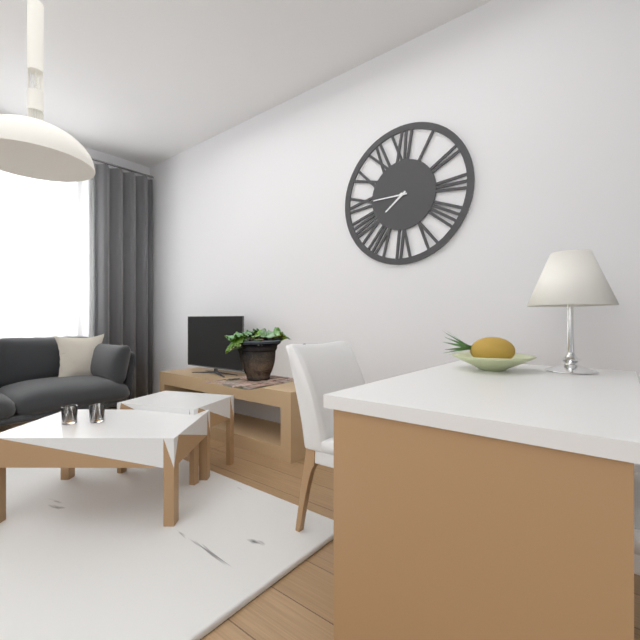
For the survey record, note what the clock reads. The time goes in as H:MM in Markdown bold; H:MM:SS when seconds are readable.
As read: **7:45**
